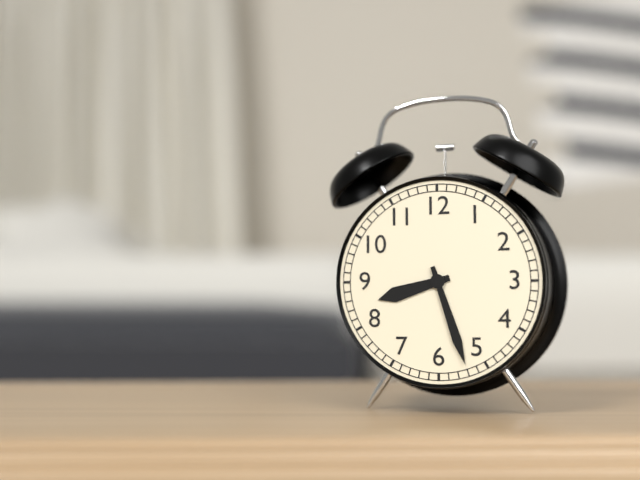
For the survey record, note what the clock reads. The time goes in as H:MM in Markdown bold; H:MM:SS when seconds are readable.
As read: **8:27**
